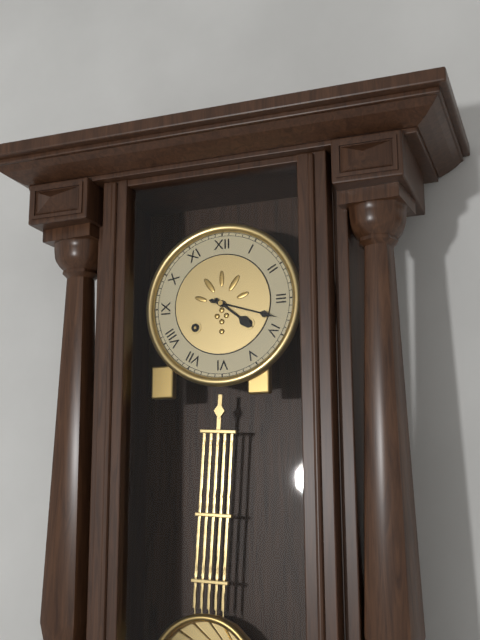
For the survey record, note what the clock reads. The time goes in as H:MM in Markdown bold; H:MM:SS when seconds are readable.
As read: **4:18**
